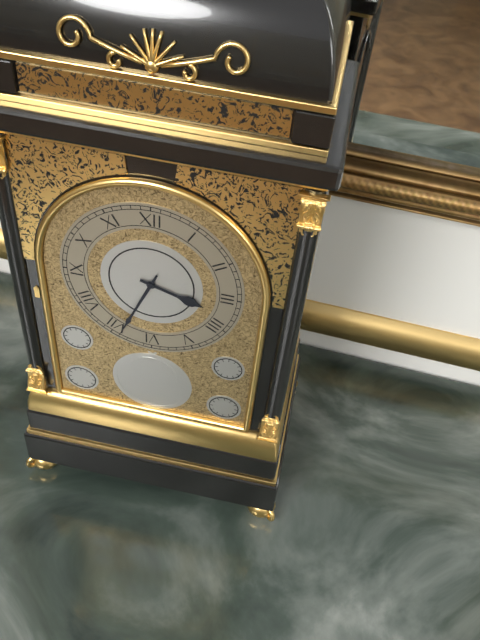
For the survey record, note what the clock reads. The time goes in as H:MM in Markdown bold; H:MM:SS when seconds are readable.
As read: **3:34**
